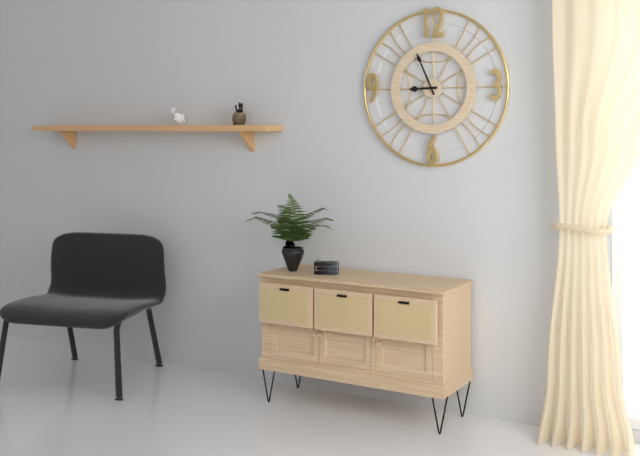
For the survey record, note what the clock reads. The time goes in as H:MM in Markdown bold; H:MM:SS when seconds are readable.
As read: **8:56**
